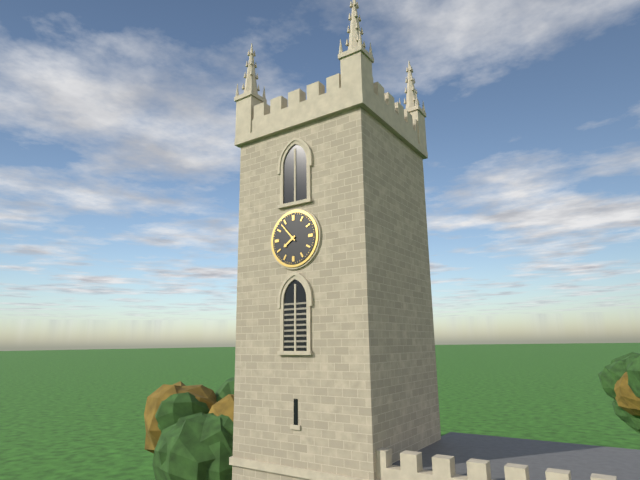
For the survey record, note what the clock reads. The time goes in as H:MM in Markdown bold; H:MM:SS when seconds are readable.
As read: **7:53**
